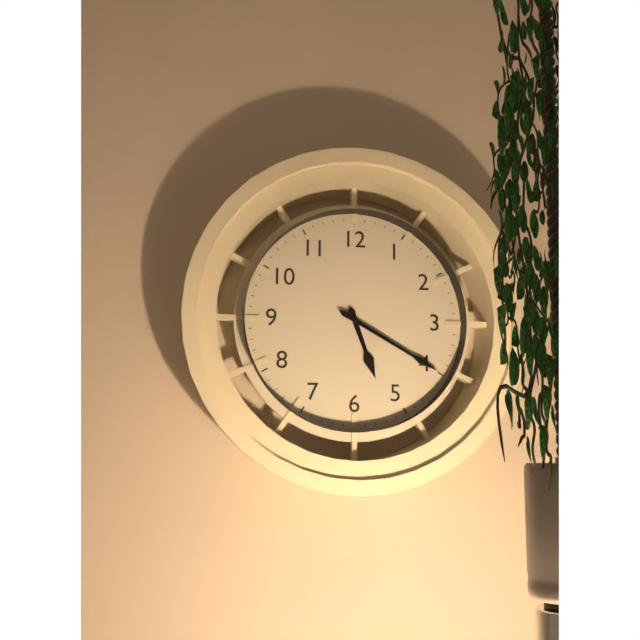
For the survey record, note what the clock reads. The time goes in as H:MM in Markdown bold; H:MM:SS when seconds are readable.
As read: **5:20**
